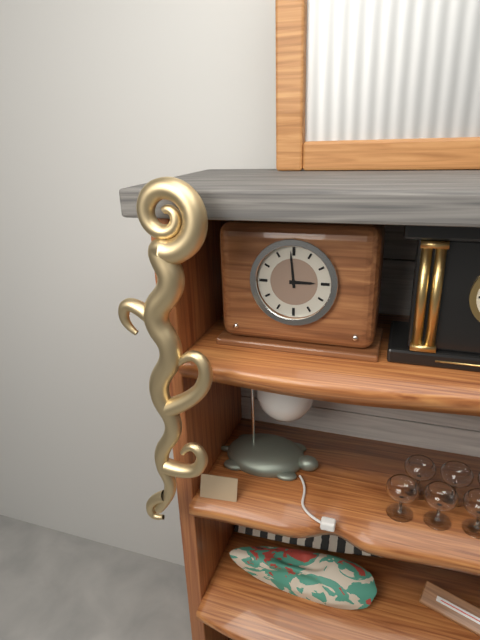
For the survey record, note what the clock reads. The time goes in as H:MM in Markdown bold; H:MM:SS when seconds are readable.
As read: **2:59**
